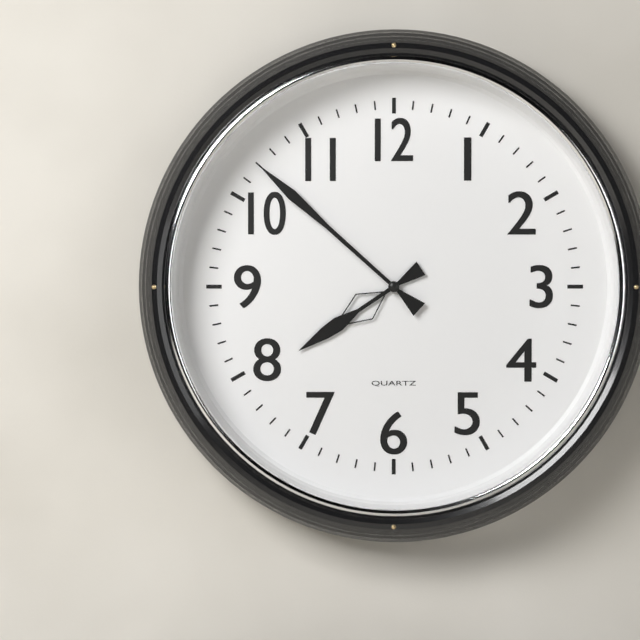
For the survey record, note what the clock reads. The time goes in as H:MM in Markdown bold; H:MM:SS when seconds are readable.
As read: **7:52**
